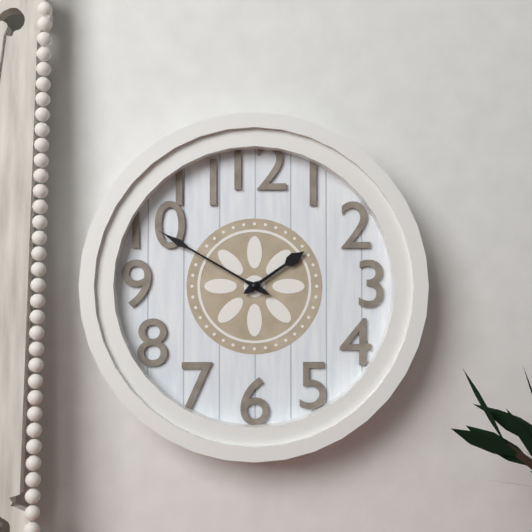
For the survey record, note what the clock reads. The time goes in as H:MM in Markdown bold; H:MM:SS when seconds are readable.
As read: **1:50**
